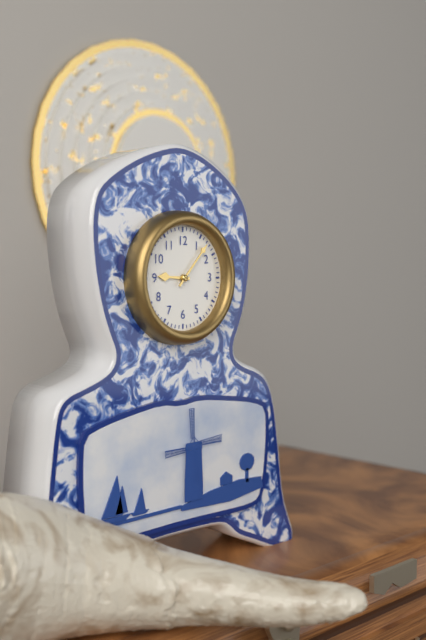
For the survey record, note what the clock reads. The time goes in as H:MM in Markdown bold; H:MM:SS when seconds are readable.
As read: **9:07**
